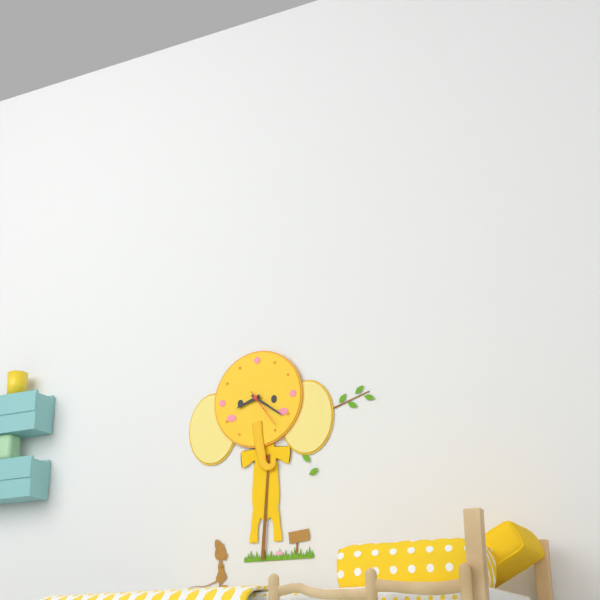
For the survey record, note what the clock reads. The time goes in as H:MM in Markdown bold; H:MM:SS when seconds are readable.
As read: **8:21**
